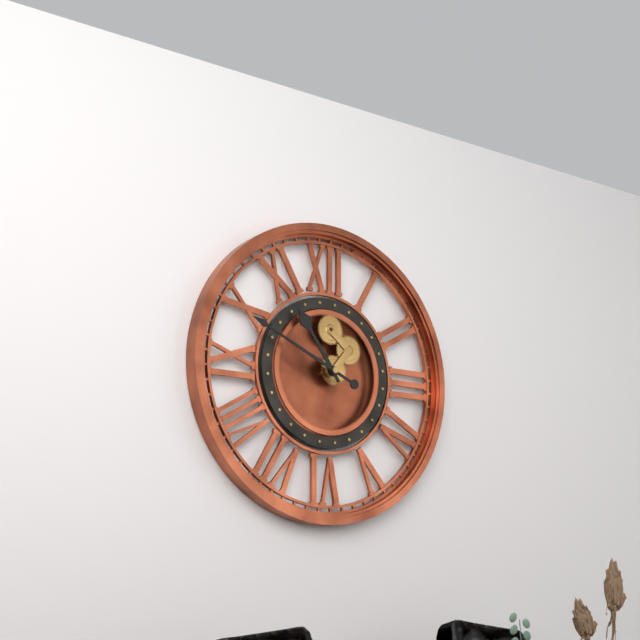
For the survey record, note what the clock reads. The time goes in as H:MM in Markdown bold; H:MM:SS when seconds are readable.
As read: **10:49**
